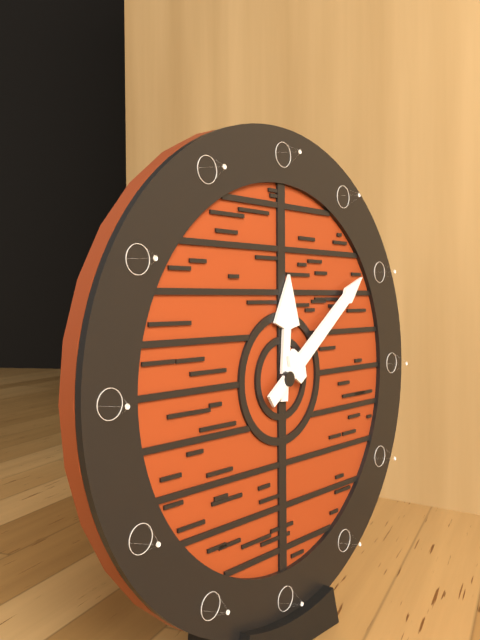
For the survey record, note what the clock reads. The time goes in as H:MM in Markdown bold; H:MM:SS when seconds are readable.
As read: **12:09**
